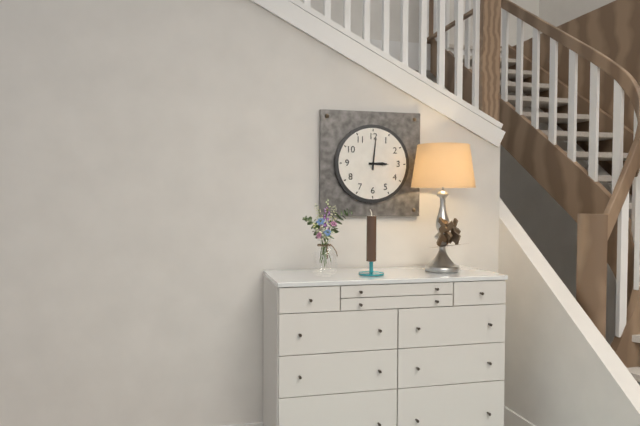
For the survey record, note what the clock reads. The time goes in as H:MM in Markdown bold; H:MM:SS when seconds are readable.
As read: **3:01**
